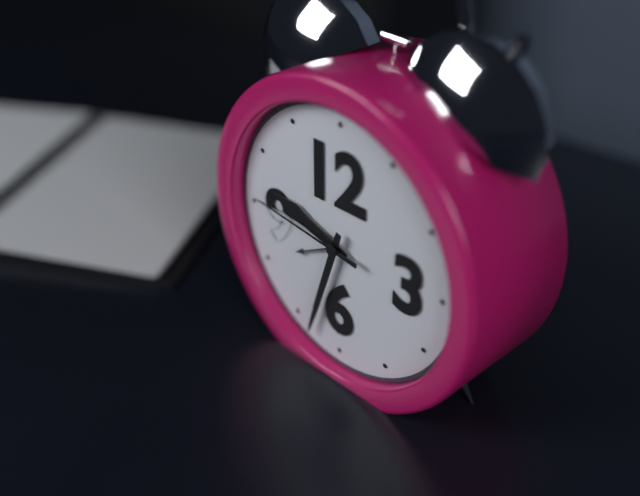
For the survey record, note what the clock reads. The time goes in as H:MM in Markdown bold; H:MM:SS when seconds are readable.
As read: **9:33:46**
